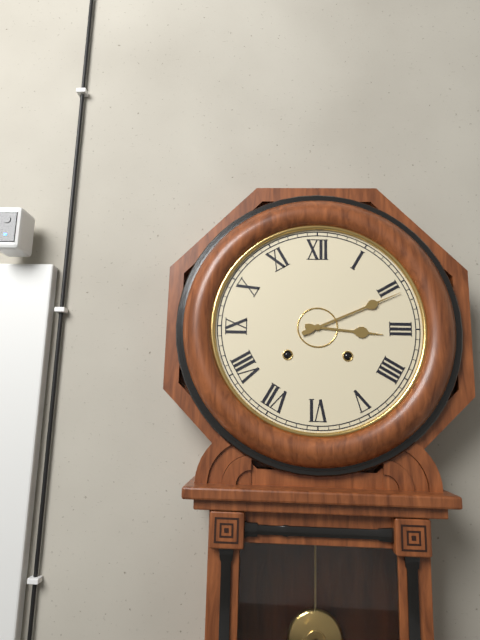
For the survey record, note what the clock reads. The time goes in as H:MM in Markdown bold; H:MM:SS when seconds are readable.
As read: **3:11**
